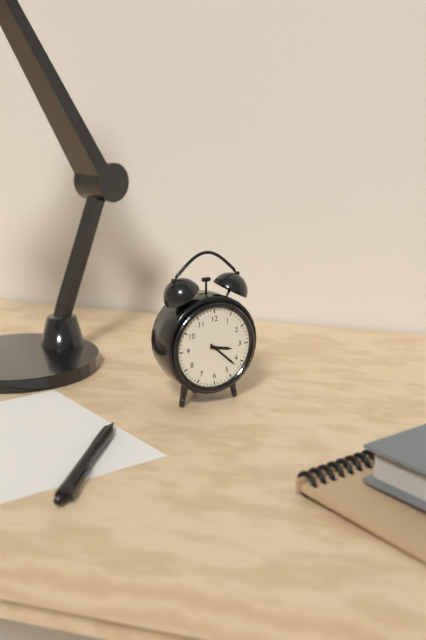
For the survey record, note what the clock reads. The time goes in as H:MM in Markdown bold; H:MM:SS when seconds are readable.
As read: **3:22**
